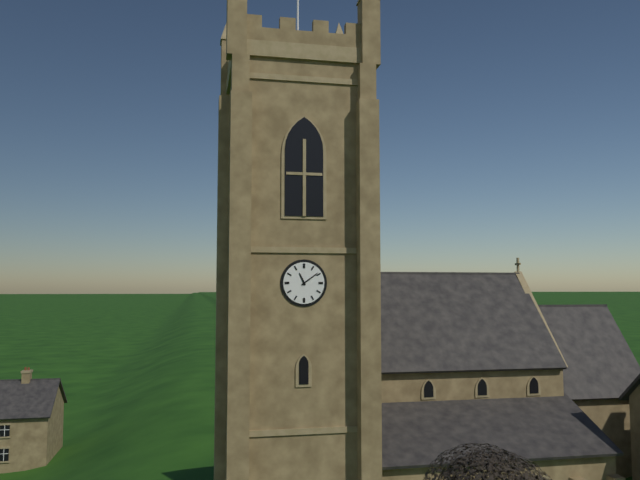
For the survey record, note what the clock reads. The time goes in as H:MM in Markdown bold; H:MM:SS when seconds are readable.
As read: **11:09**
